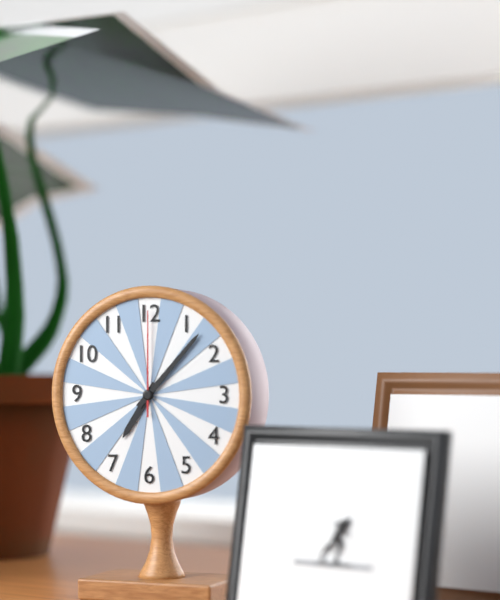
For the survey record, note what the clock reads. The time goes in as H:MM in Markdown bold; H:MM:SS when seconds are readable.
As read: **7:07:00**
